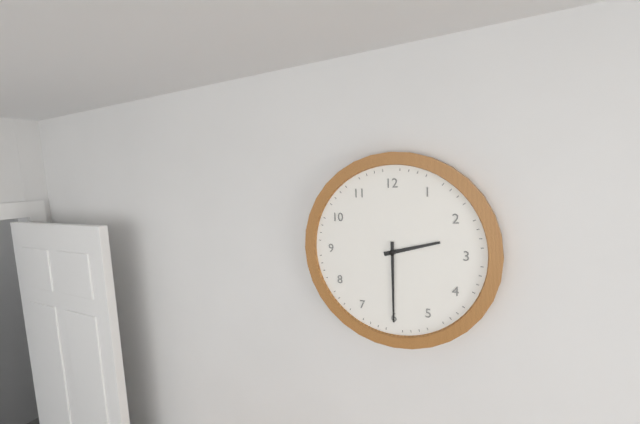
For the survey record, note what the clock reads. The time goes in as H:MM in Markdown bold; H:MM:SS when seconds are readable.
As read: **2:30**
